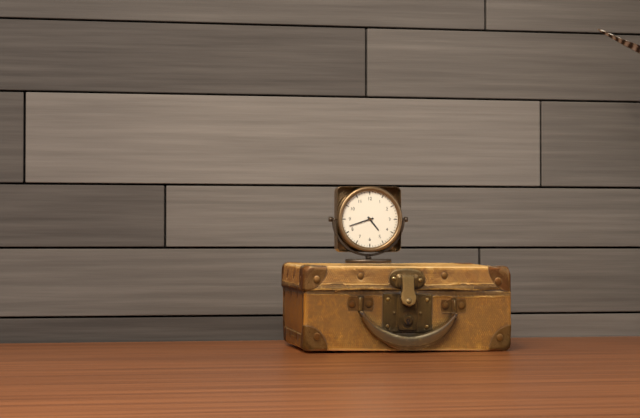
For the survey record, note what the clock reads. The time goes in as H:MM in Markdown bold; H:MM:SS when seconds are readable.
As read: **4:42**
